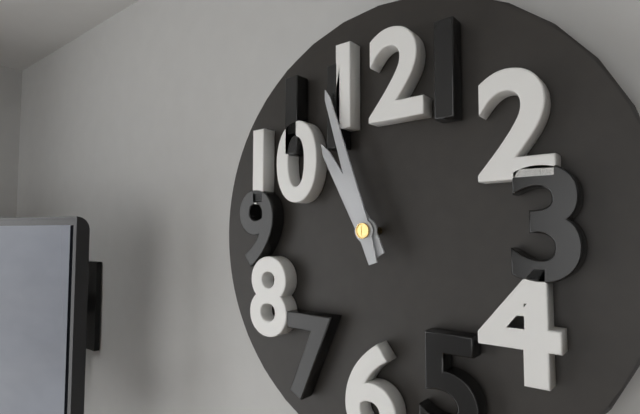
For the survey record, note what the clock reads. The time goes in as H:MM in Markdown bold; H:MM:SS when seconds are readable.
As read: **10:57**
